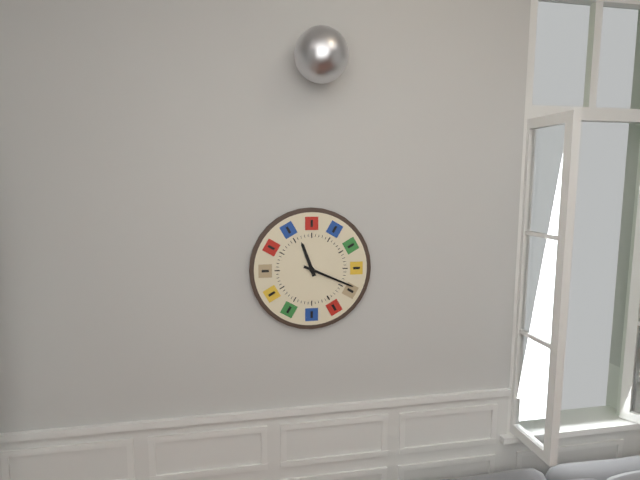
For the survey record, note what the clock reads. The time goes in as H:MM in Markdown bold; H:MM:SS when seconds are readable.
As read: **11:19**
